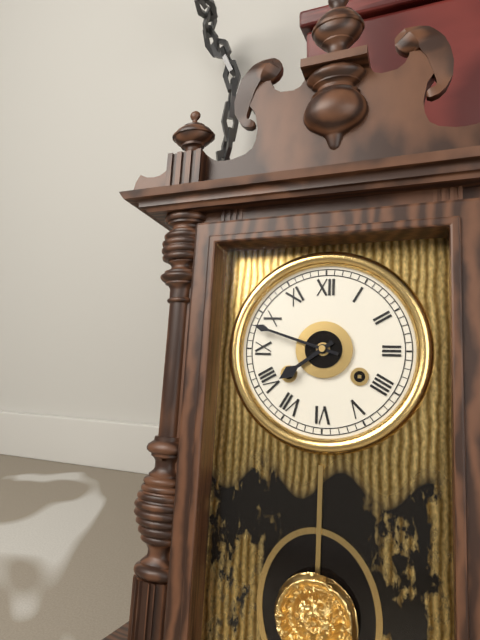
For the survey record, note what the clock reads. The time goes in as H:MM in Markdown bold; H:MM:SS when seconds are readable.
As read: **7:48**
